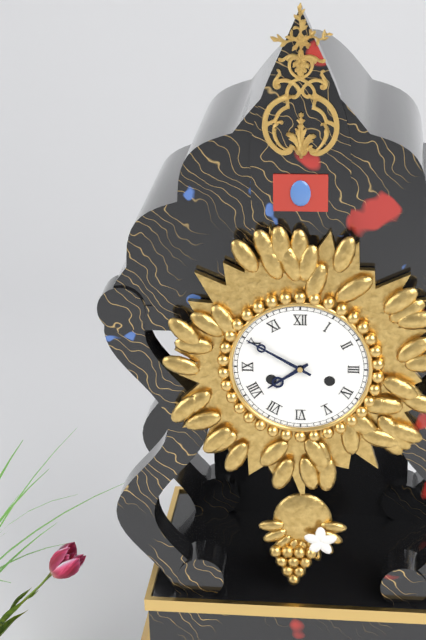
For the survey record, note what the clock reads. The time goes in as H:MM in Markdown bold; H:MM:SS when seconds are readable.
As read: **7:50**
